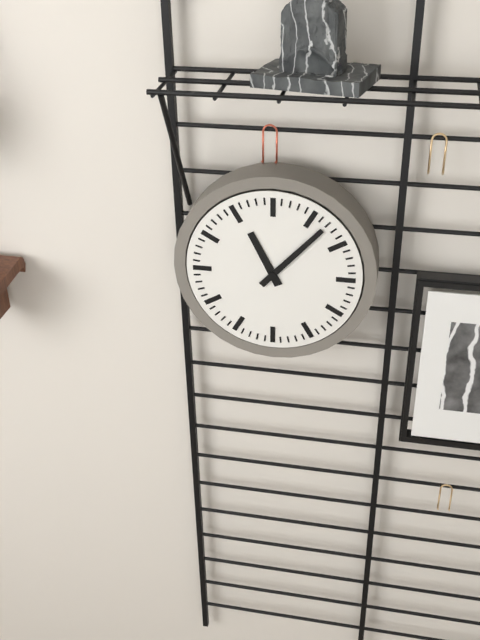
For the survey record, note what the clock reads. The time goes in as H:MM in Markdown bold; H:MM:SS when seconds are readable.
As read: **11:07**
